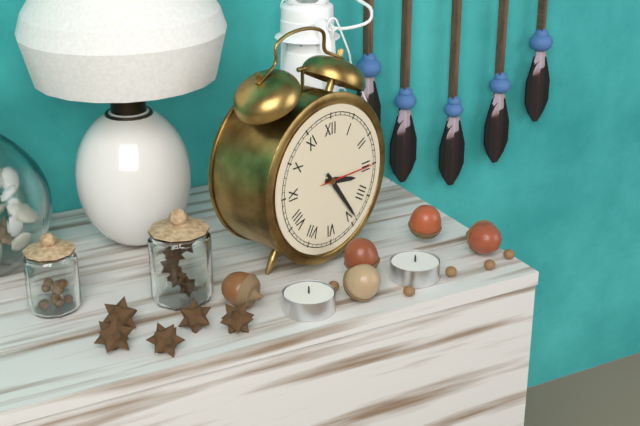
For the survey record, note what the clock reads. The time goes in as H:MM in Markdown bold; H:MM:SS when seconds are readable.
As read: **3:24:15**
